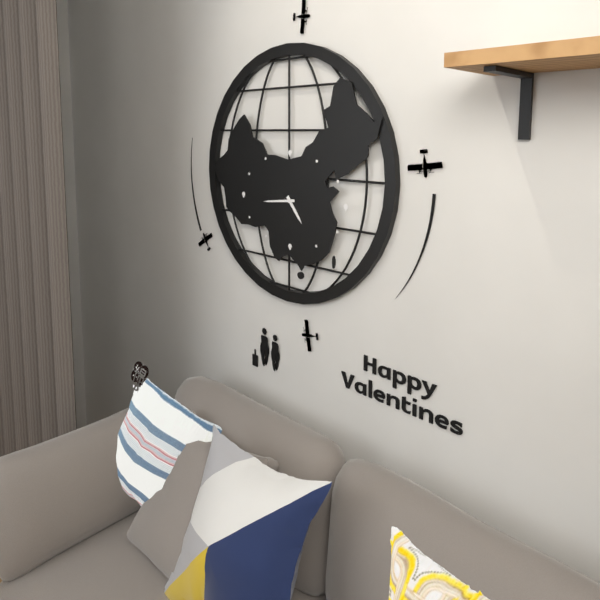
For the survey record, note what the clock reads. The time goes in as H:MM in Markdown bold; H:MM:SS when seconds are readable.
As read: **4:44**
